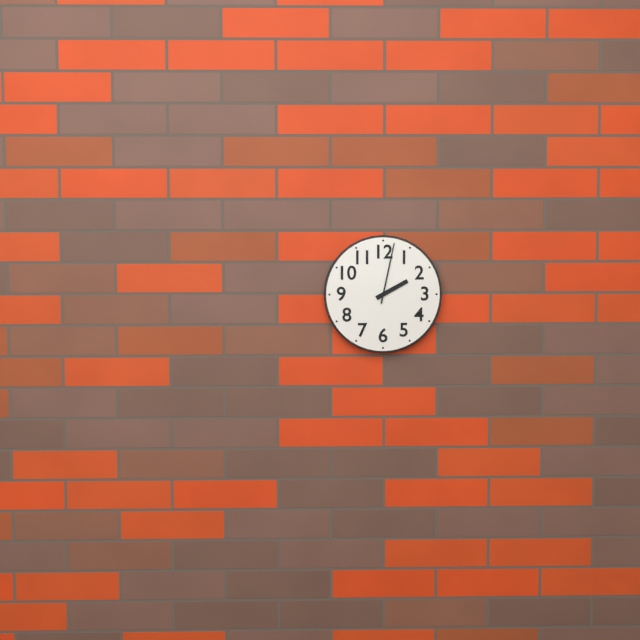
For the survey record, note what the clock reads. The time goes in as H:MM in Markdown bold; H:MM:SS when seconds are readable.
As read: **2:02**
